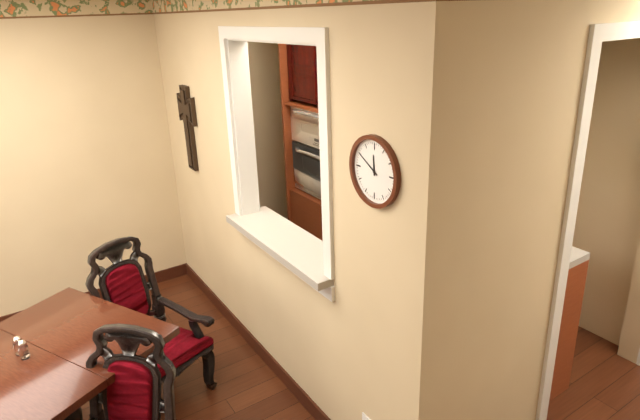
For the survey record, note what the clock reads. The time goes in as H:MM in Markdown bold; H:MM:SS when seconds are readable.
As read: **11:50**
